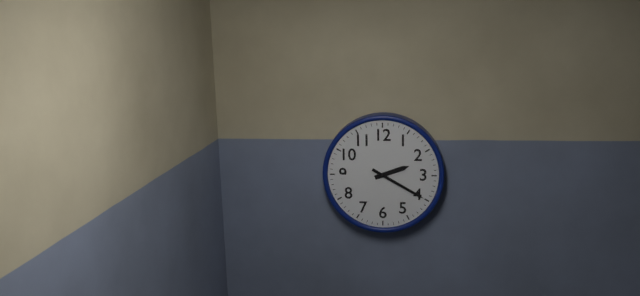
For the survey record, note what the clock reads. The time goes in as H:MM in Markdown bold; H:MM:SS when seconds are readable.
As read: **2:20**
